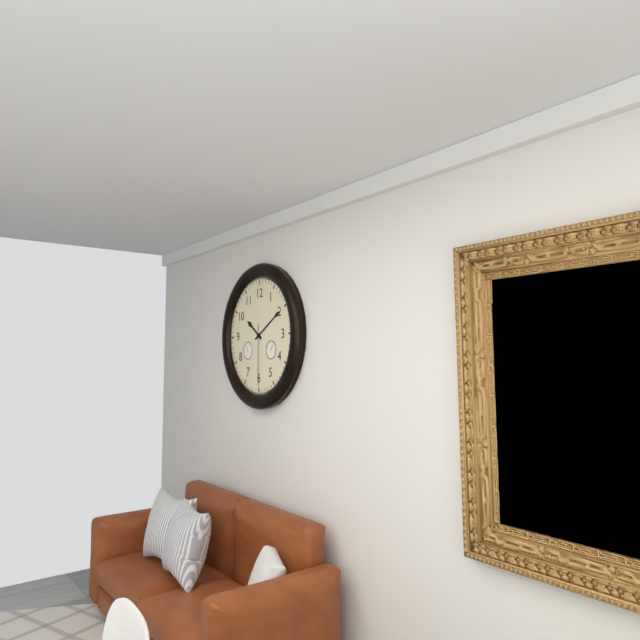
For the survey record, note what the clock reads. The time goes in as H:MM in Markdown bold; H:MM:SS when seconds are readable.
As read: **10:10:30**
